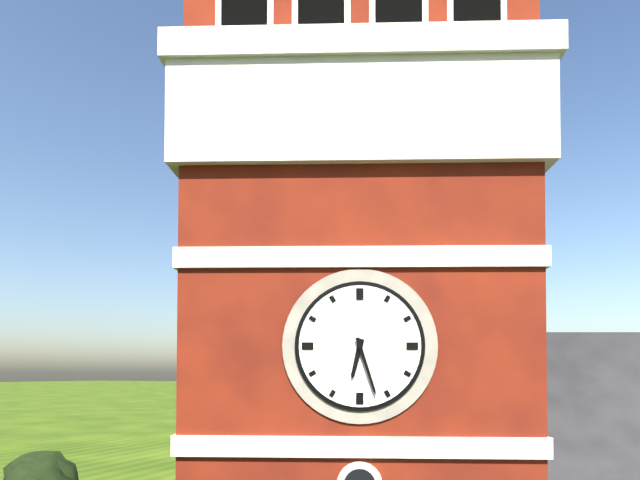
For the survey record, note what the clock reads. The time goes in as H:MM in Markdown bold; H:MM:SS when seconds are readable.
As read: **6:27**
